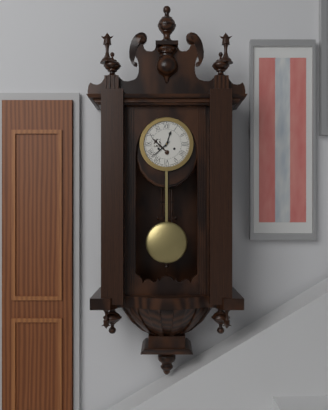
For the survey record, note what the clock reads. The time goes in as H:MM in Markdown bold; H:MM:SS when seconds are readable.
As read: **12:38**
